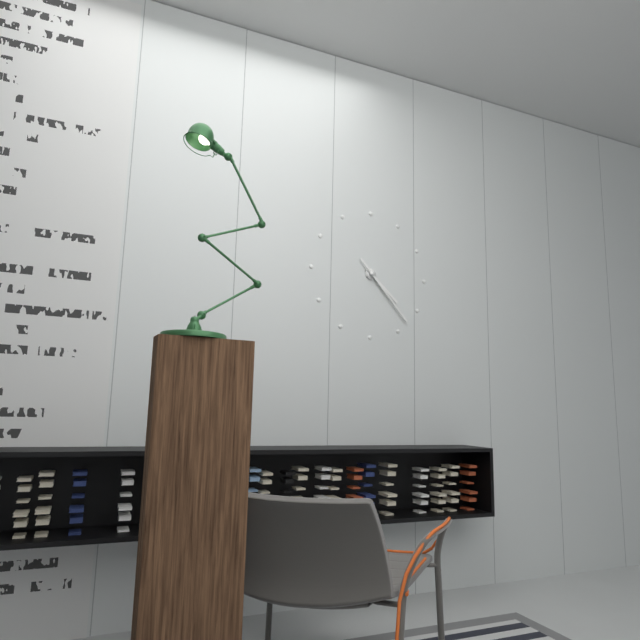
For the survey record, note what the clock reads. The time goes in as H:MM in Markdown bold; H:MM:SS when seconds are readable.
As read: **4:23**
